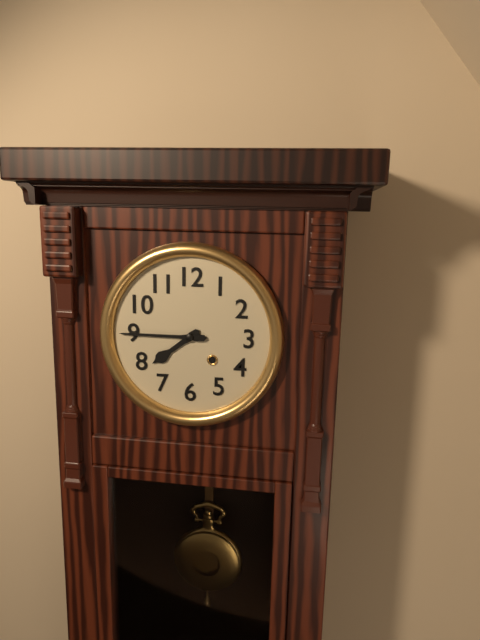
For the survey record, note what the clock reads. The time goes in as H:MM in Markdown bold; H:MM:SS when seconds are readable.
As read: **7:45**
